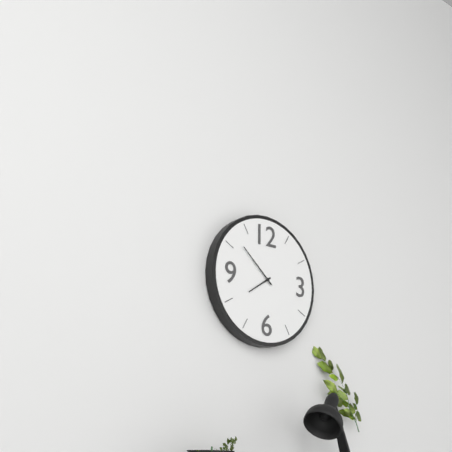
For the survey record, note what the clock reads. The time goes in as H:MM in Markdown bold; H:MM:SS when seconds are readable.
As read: **7:52**
